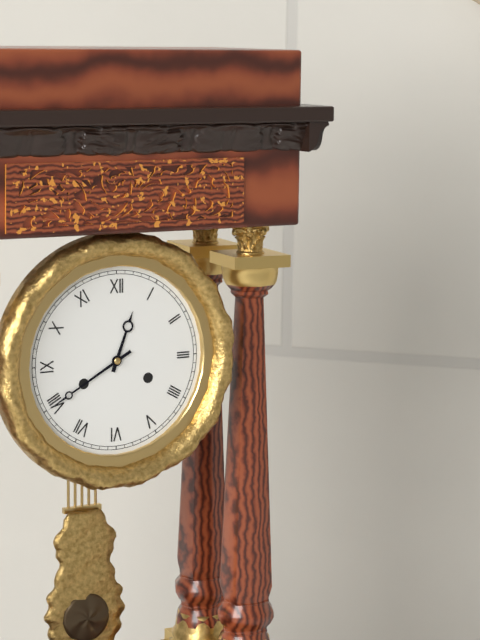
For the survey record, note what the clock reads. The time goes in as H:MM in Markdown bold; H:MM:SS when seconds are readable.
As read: **12:40**
